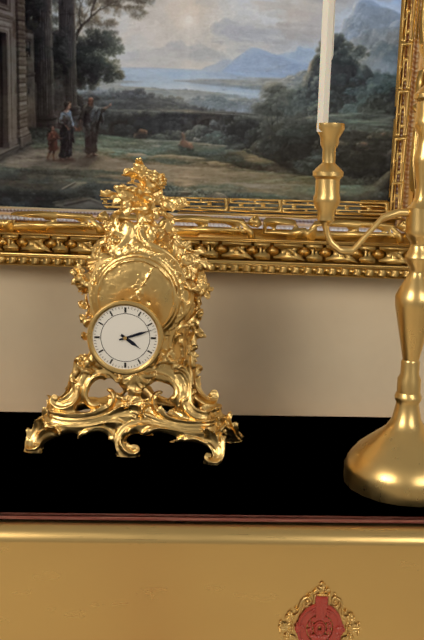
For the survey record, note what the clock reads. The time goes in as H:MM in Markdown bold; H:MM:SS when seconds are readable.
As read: **4:12**
